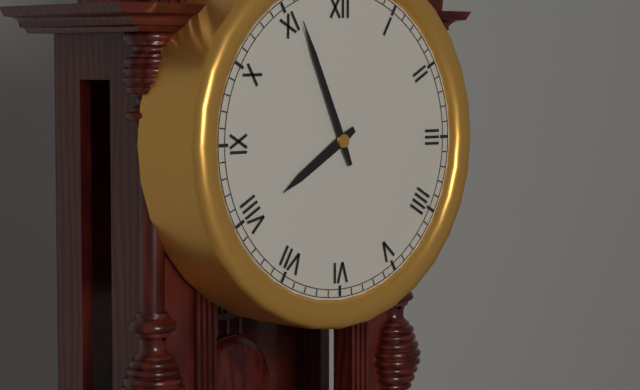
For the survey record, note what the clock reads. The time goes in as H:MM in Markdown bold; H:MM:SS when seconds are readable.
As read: **7:56**
